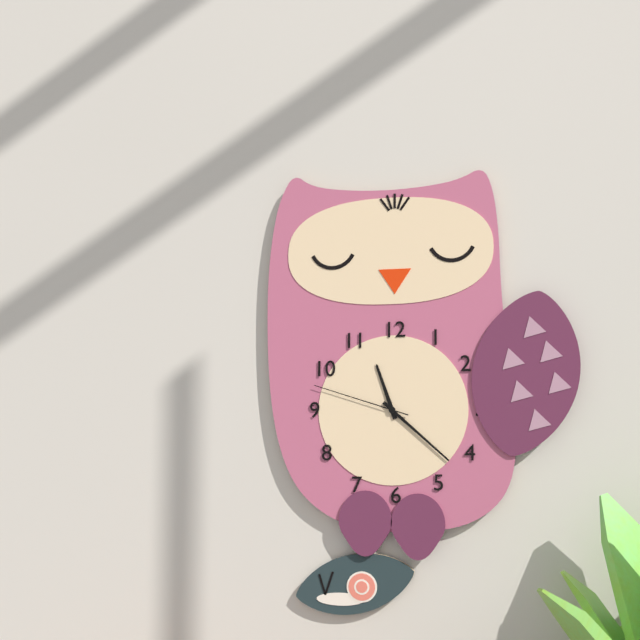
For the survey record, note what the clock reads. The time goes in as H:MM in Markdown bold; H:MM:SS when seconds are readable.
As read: **11:22:48**
